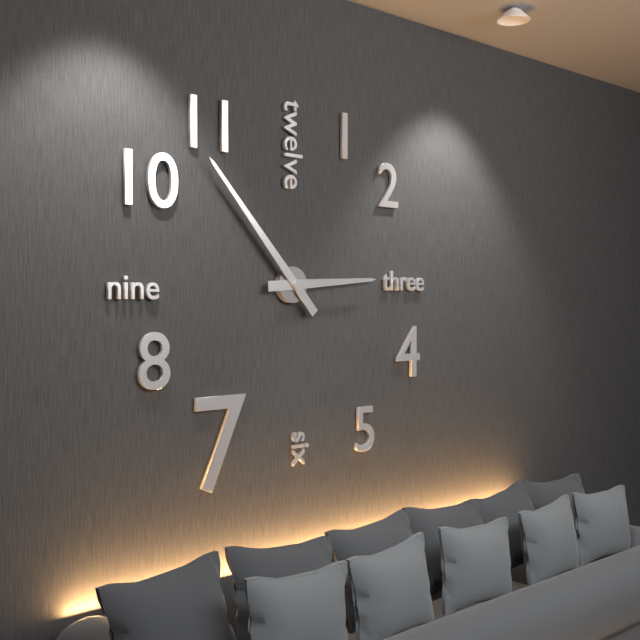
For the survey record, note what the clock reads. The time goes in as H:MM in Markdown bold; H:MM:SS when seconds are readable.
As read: **2:53**
